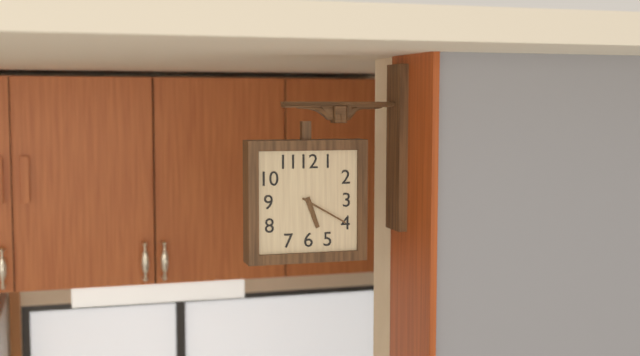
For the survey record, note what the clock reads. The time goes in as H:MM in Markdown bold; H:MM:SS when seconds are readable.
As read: **5:20**
